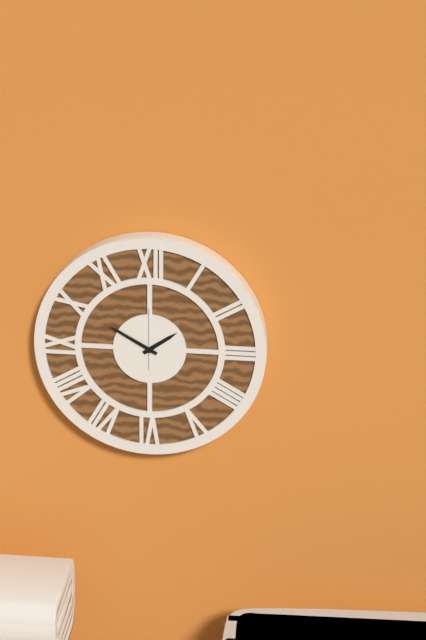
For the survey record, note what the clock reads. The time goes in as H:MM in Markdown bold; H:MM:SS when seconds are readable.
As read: **1:50**
